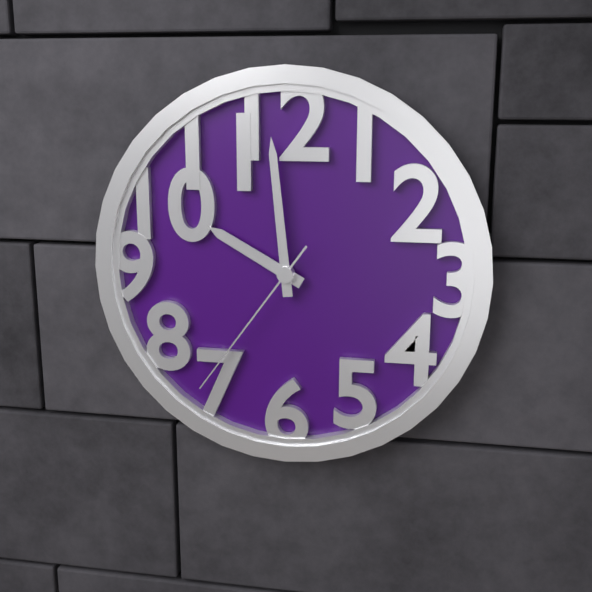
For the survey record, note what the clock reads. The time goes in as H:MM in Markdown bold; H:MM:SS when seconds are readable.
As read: **9:59:36**
